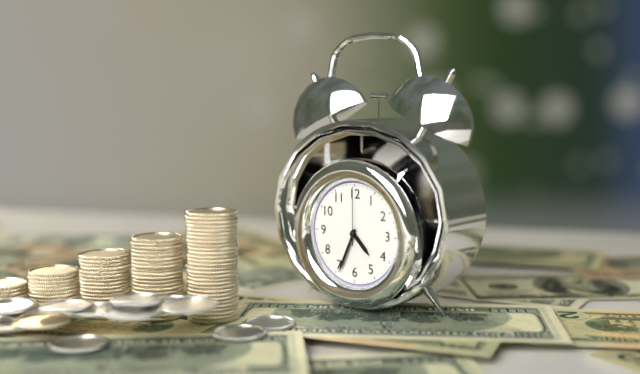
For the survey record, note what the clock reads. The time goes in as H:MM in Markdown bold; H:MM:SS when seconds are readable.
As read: **4:34:00**
